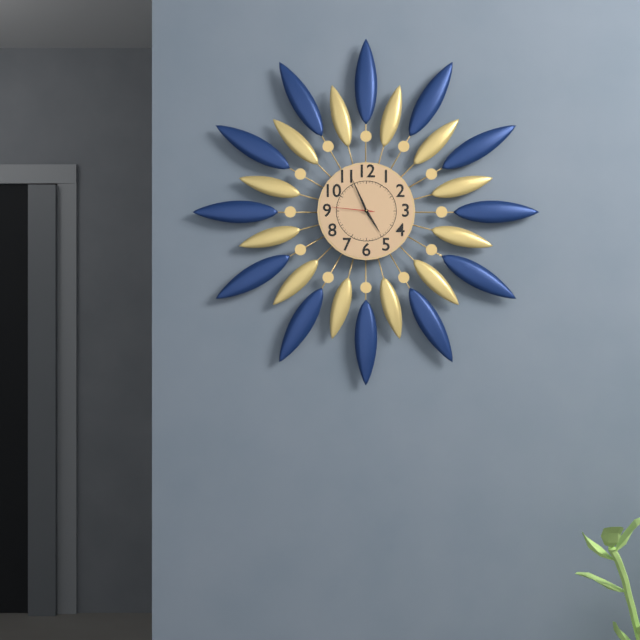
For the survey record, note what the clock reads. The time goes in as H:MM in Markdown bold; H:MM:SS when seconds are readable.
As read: **4:56:46**
